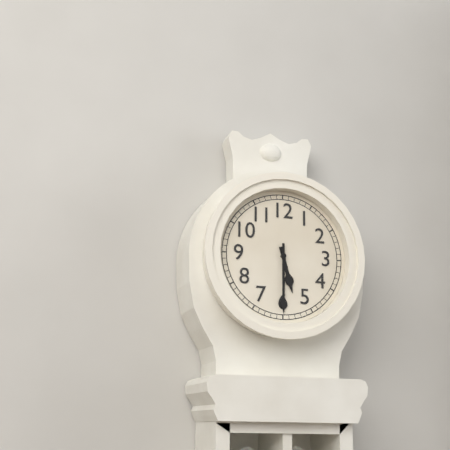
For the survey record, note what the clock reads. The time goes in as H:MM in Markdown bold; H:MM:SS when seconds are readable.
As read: **5:30**
